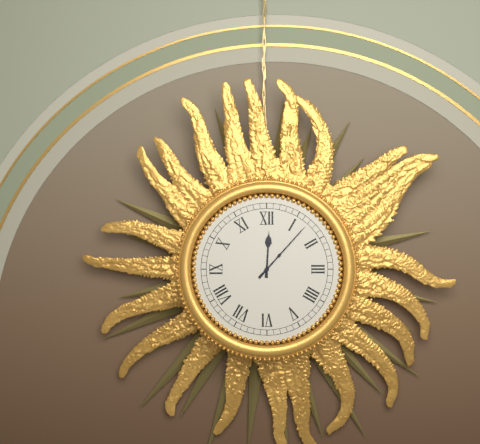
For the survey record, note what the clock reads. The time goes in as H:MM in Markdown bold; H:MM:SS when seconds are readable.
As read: **12:07**
